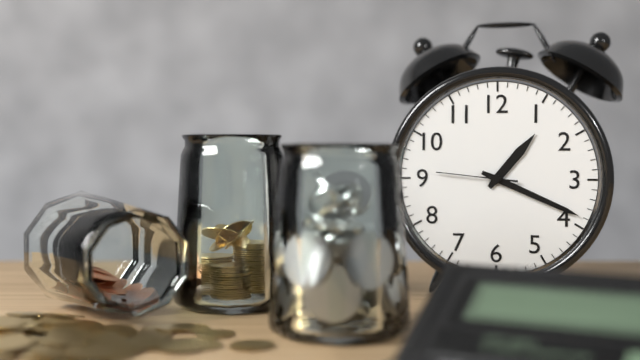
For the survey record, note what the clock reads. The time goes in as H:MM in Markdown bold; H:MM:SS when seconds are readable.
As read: **1:19:46**
